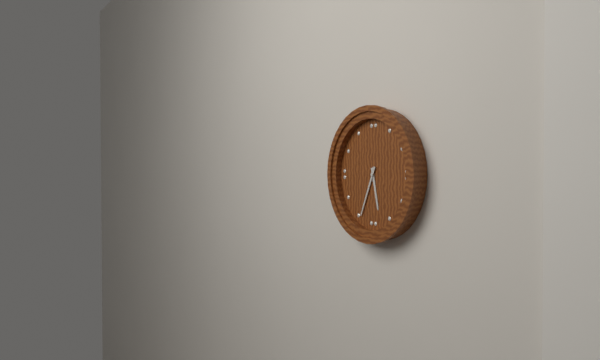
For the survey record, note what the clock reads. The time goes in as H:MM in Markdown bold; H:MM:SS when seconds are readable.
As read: **5:34**
